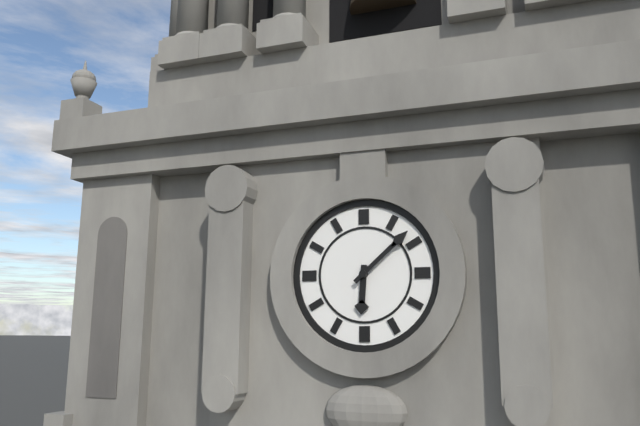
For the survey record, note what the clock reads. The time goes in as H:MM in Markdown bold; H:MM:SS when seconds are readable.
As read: **6:08**
